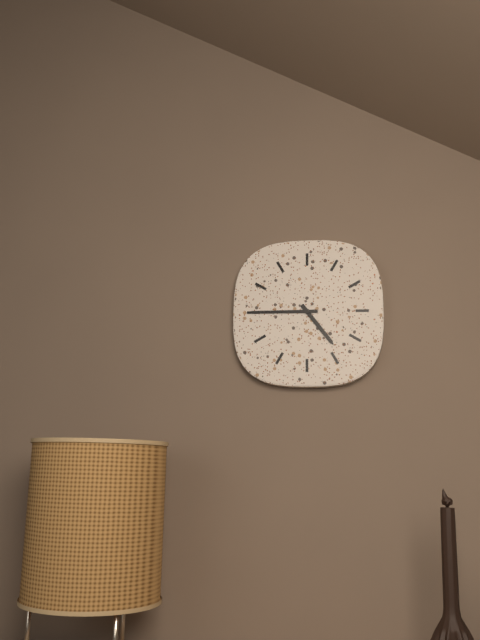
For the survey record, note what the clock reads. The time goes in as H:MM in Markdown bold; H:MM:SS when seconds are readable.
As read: **4:45**
